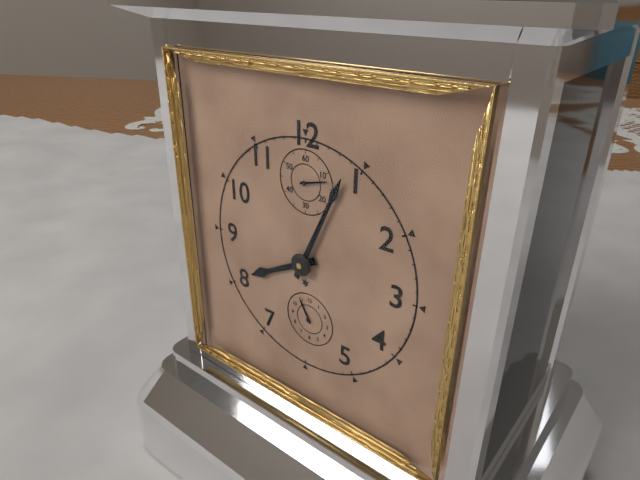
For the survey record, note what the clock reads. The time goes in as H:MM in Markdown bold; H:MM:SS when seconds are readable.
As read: **8:04**
